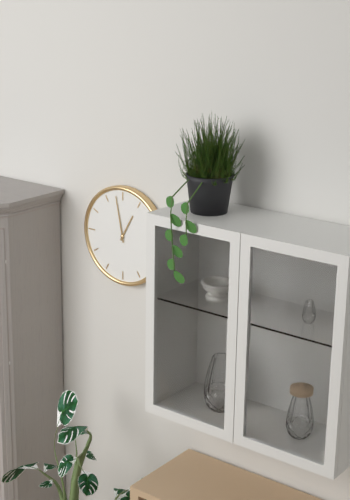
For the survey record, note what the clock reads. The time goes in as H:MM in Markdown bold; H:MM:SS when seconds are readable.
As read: **12:58**
